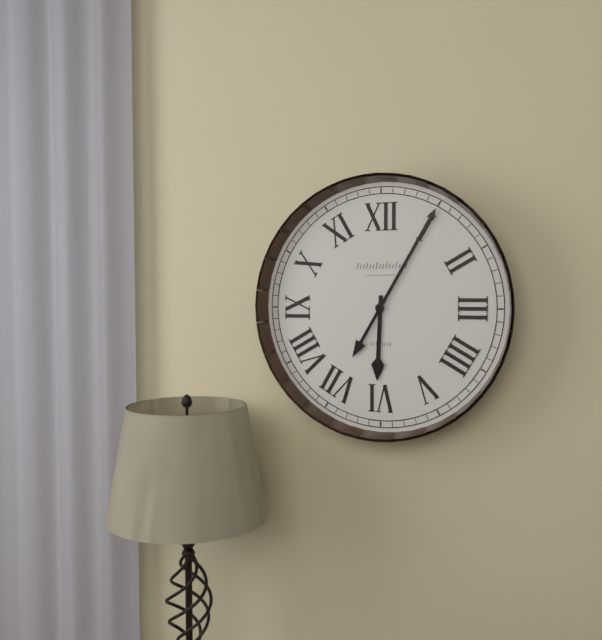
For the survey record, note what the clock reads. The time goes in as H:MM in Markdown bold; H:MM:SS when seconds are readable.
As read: **6:05**
